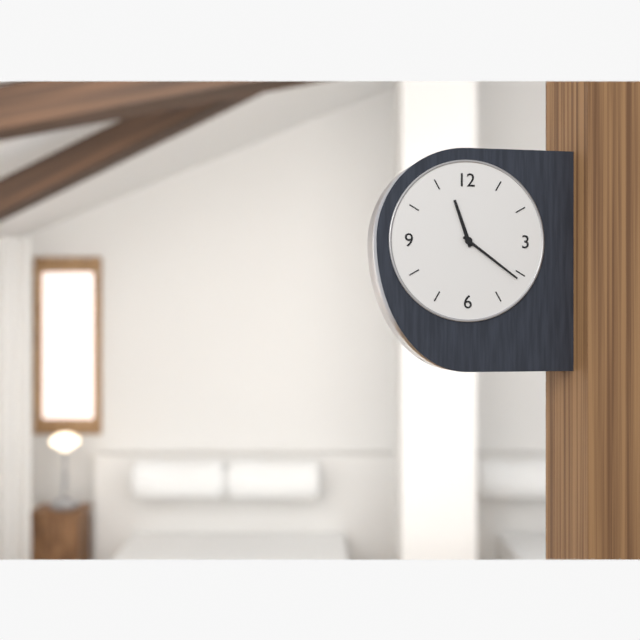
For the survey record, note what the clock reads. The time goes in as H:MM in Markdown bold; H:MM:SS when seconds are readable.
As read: **11:21**
